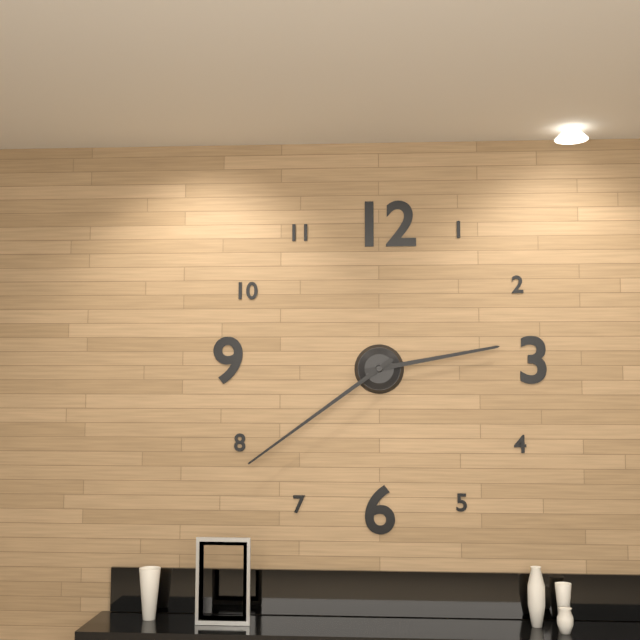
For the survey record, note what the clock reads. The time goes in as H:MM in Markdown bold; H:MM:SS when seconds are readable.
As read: **2:39**
